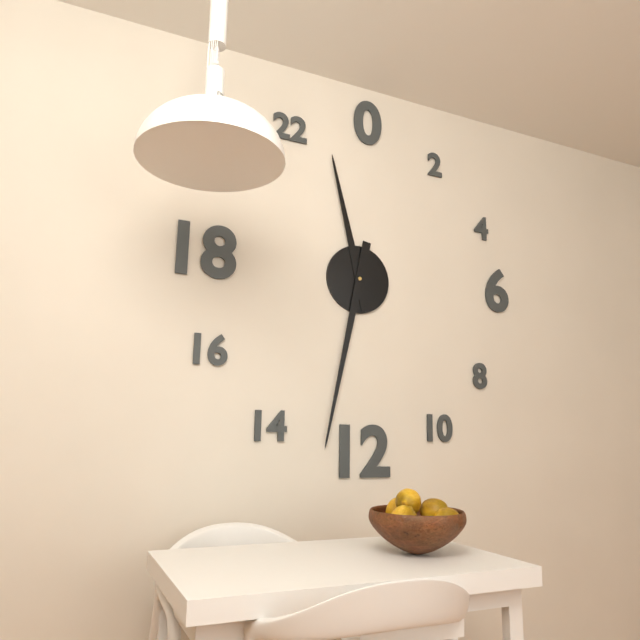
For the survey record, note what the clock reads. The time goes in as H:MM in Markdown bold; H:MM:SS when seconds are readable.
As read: **11:32**
